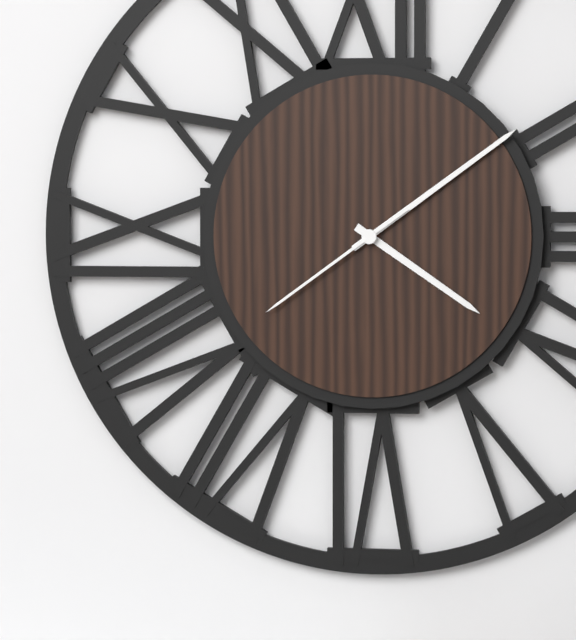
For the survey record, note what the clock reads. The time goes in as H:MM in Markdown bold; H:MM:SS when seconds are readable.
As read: **4:09:39**
